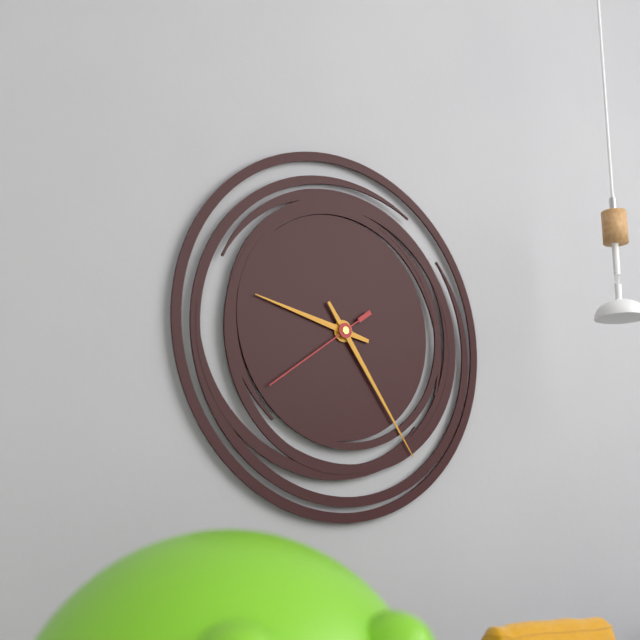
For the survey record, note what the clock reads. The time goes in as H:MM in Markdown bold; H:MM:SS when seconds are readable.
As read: **9:24:39**
